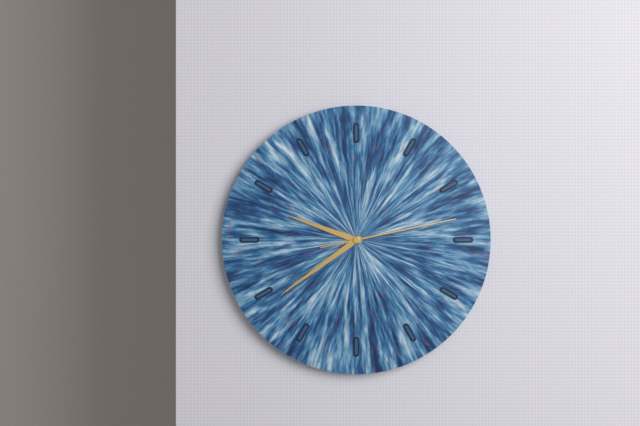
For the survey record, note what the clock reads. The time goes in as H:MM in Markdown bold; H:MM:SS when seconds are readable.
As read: **9:39:13**
